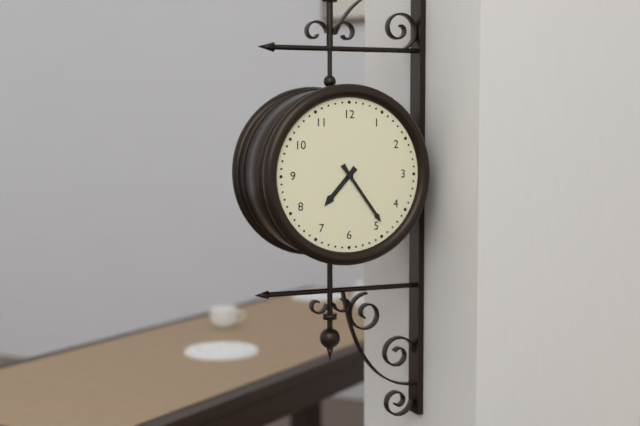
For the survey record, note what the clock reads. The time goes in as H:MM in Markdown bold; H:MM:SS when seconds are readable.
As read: **7:24**
